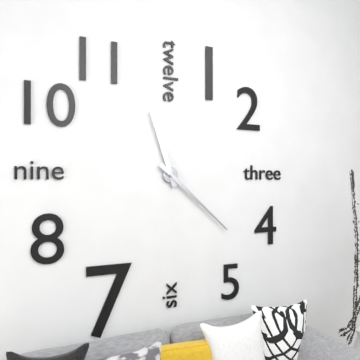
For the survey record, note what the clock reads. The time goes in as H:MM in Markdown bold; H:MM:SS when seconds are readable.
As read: **11:22**
